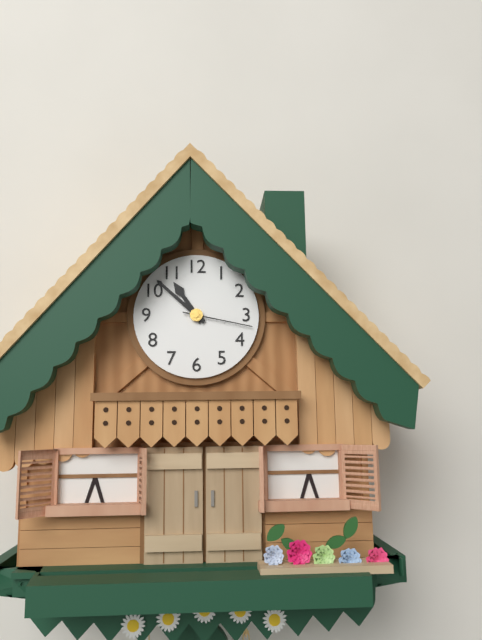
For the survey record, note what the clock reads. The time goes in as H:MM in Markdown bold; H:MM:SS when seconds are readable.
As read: **10:52:17**
